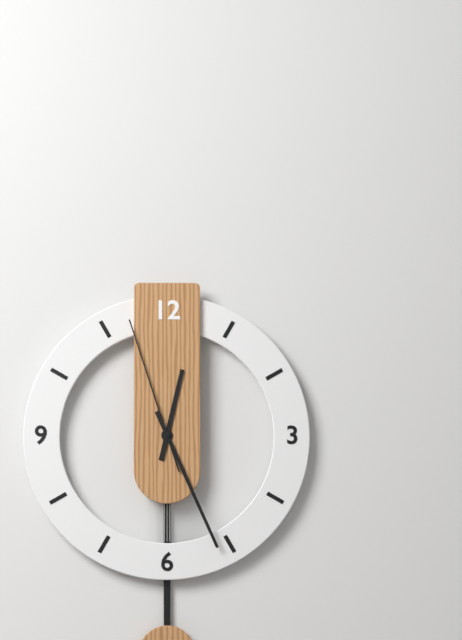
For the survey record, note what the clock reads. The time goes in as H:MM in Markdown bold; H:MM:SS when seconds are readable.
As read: **12:26:57**
